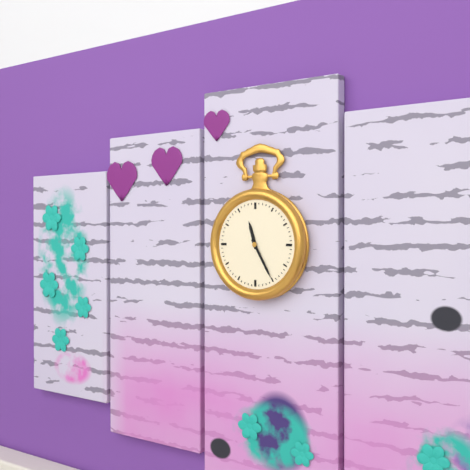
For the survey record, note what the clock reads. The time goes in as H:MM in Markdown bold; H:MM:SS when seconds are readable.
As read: **11:25**
